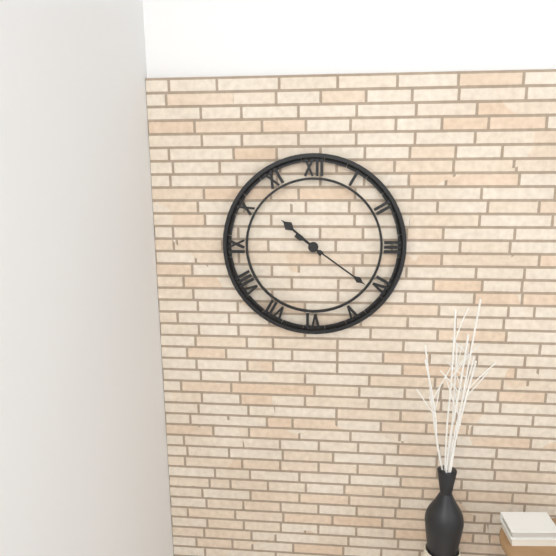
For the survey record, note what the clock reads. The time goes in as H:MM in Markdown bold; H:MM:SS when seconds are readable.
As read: **10:21**
